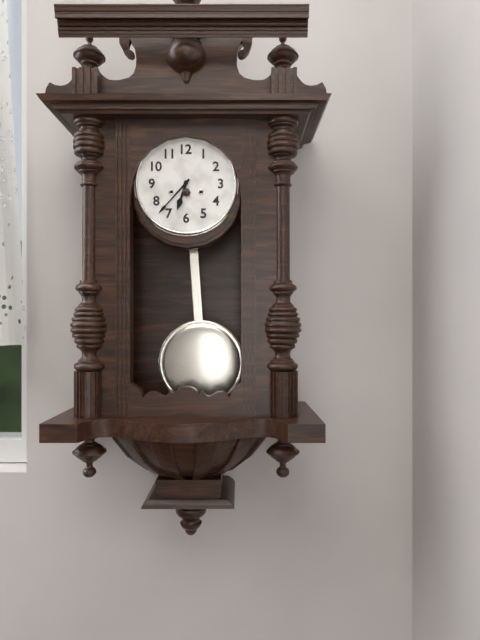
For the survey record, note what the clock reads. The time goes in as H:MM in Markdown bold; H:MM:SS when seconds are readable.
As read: **6:37**
